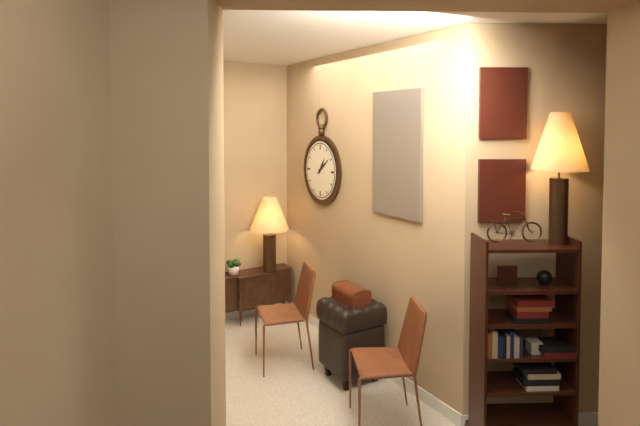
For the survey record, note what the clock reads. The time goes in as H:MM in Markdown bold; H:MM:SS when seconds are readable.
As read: **1:09**
